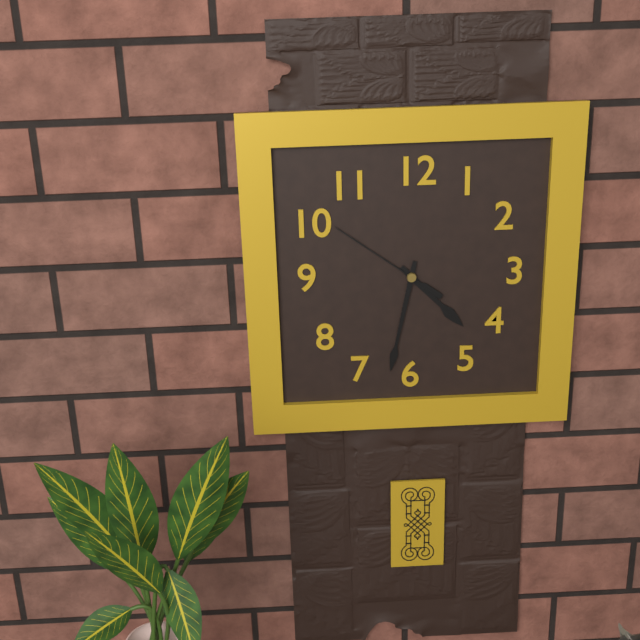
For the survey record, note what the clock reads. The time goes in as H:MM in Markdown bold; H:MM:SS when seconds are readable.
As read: **4:32:51**
